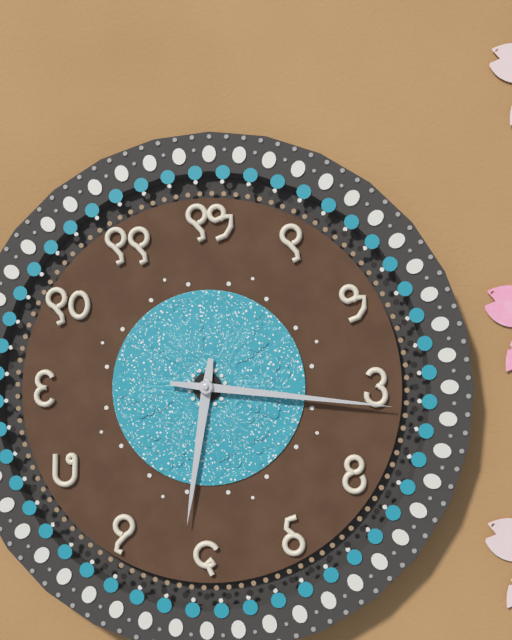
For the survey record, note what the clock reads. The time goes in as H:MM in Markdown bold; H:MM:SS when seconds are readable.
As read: **6:16**
